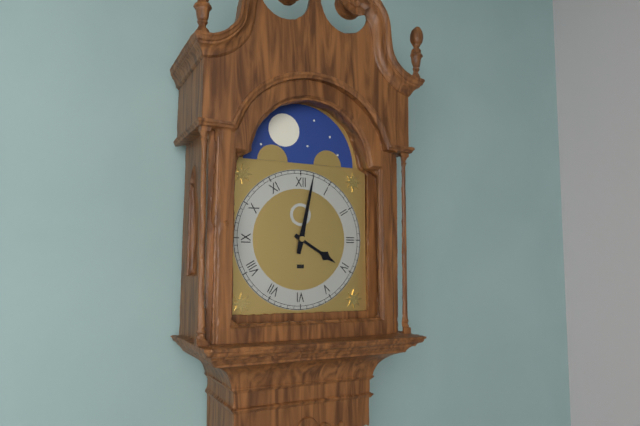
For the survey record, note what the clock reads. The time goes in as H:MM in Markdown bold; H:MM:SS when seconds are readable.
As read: **4:02**
